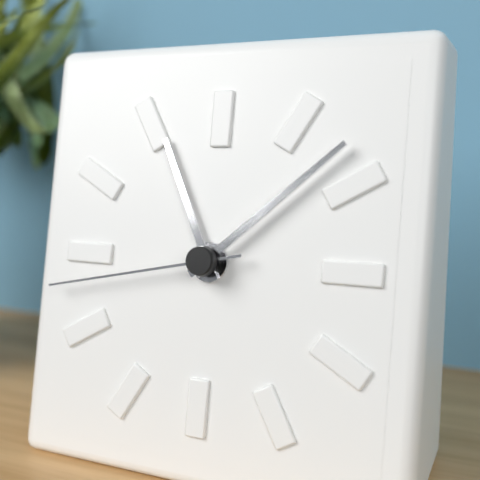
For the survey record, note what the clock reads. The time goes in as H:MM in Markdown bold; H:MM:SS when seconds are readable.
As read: **11:08:43**
